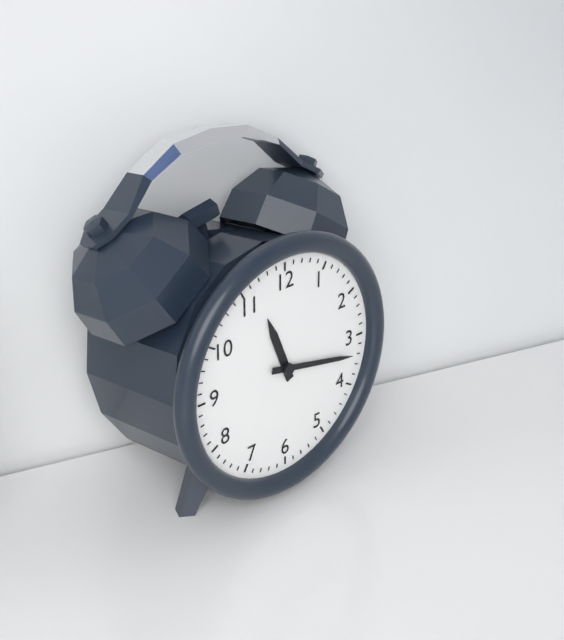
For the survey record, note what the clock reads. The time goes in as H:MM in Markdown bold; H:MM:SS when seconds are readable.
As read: **11:17**
